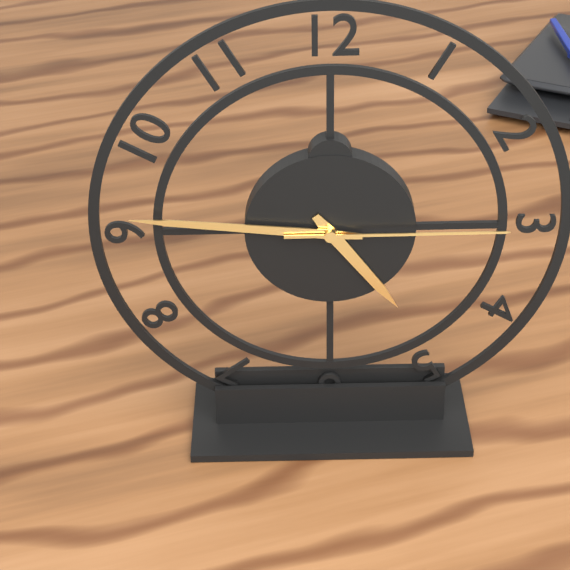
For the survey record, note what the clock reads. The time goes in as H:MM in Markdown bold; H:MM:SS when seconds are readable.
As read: **4:46:15**
